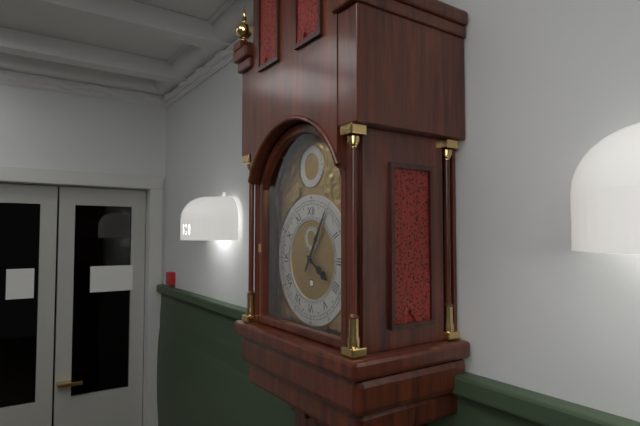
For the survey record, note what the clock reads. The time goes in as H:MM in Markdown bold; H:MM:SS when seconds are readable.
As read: **4:05**
